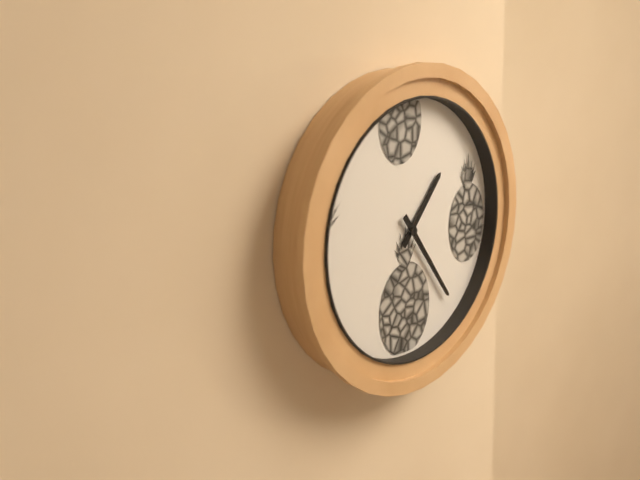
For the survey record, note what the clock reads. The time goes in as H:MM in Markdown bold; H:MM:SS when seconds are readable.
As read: **1:24**
